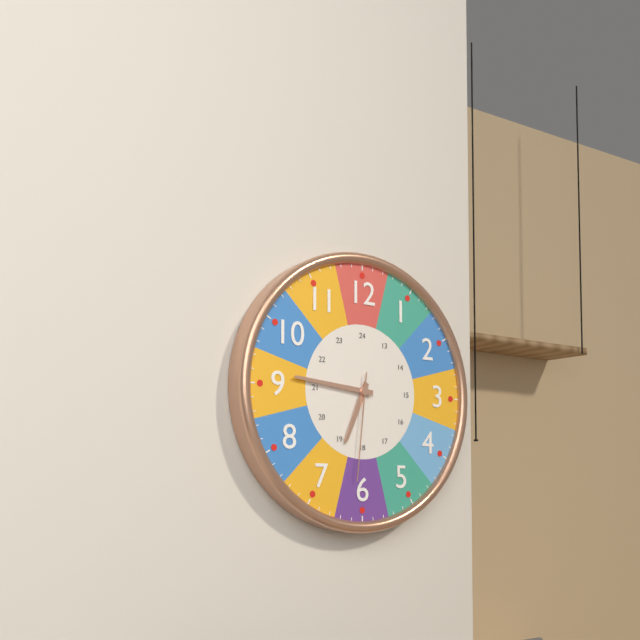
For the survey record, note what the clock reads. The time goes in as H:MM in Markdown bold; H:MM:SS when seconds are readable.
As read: **6:46:31**
